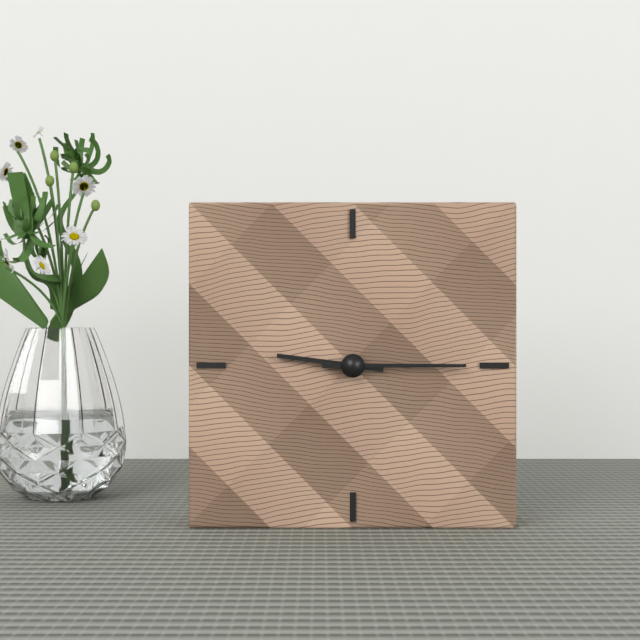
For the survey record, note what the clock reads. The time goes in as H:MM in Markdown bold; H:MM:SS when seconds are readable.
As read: **9:15**
